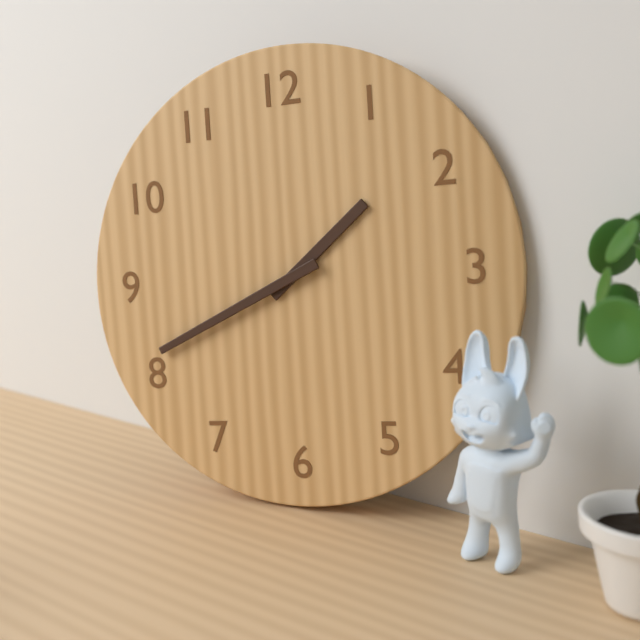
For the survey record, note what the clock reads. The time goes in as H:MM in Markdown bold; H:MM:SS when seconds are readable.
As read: **1:41**
